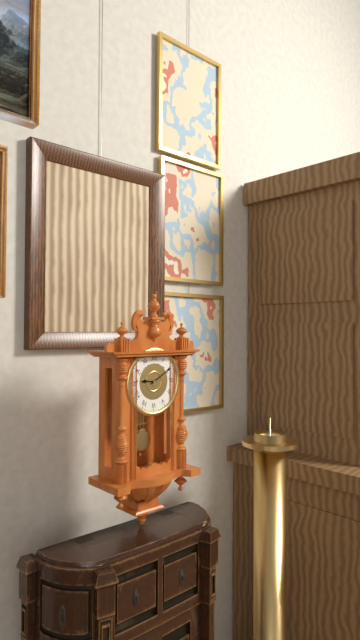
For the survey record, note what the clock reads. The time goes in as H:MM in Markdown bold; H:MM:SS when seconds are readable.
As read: **9:10**
